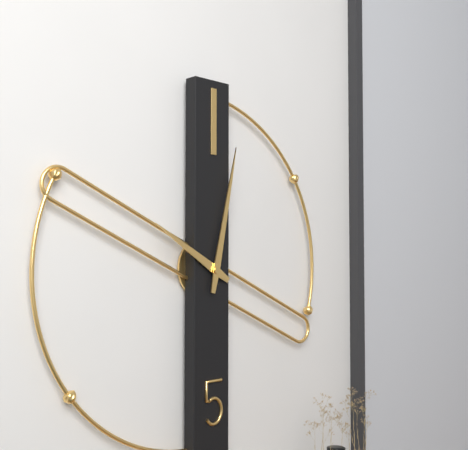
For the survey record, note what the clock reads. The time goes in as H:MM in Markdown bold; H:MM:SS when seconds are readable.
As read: **10:02**
